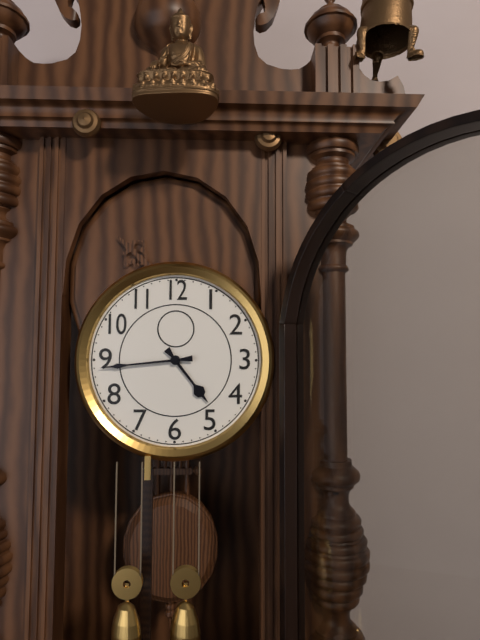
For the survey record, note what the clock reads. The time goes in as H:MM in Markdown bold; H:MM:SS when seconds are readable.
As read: **4:44**
